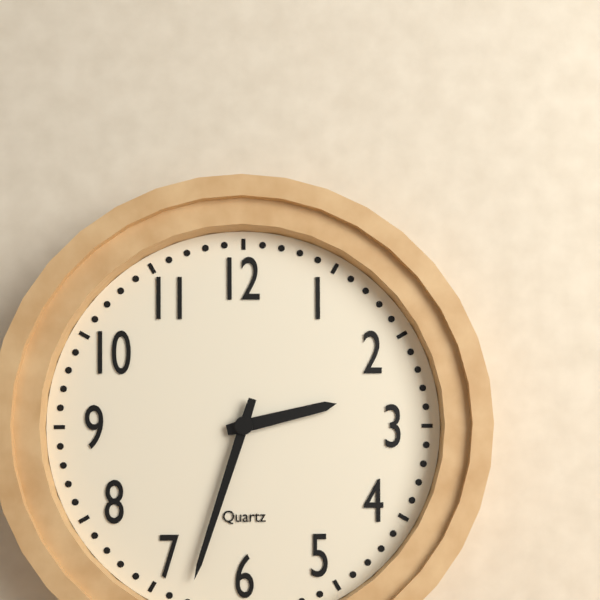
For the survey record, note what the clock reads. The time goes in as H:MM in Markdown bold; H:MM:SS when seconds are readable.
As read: **2:33**
